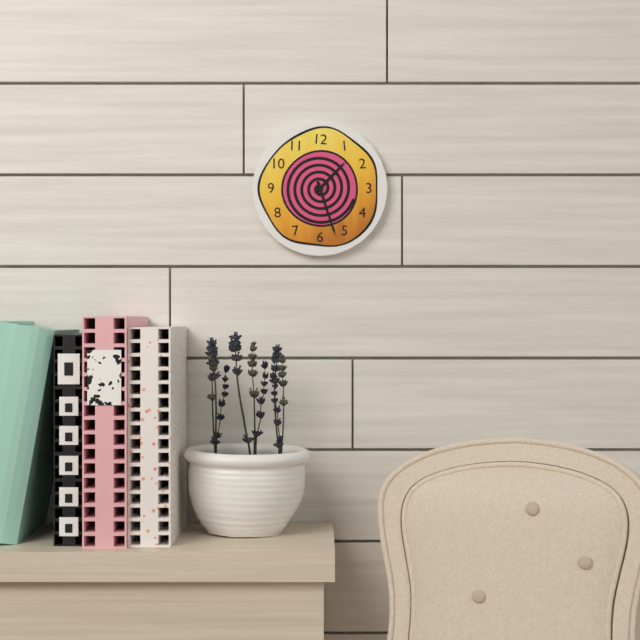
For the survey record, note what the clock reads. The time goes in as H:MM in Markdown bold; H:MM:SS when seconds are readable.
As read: **1:27**
